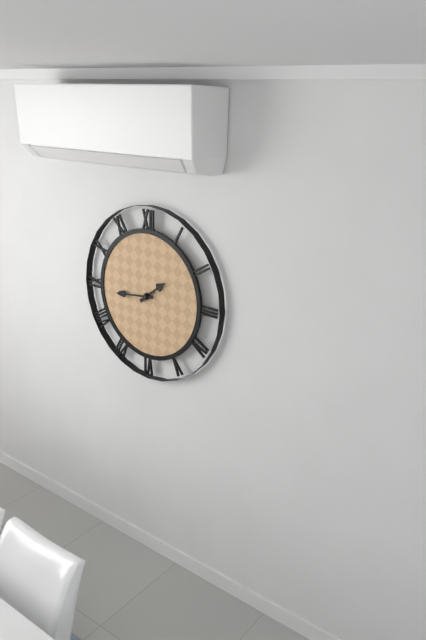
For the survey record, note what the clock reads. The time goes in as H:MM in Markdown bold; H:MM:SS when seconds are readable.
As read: **1:44**
